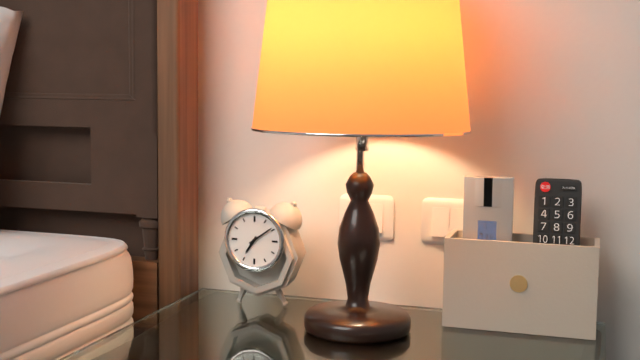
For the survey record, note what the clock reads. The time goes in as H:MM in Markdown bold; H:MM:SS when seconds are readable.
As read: **7:09**
